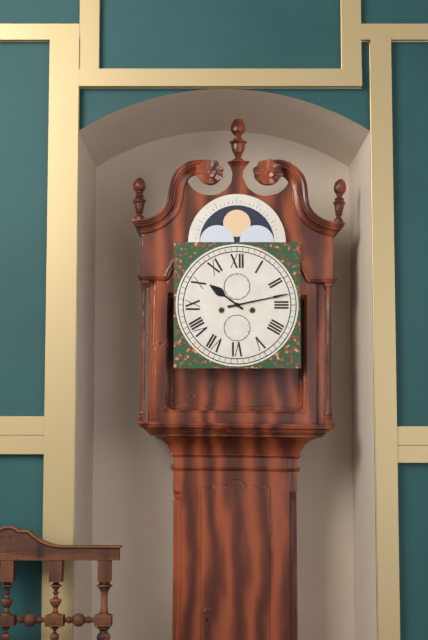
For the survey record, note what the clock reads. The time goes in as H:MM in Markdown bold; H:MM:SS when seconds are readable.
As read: **10:13**
